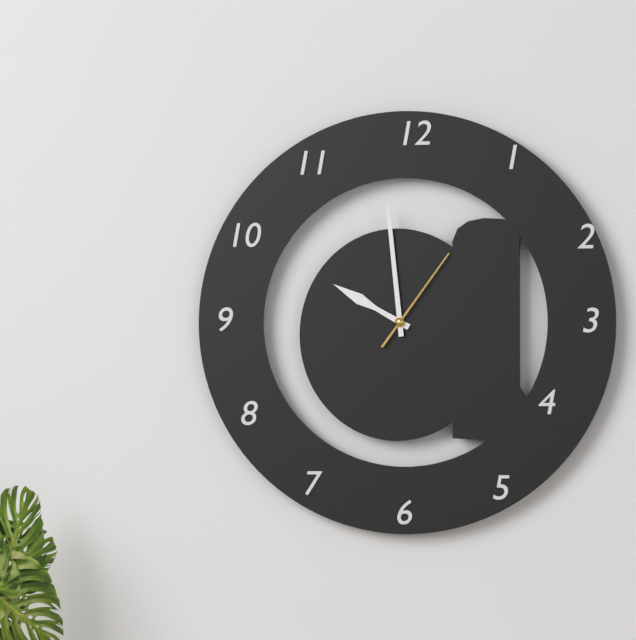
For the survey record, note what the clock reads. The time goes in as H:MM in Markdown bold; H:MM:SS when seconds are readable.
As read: **9:59:06**
